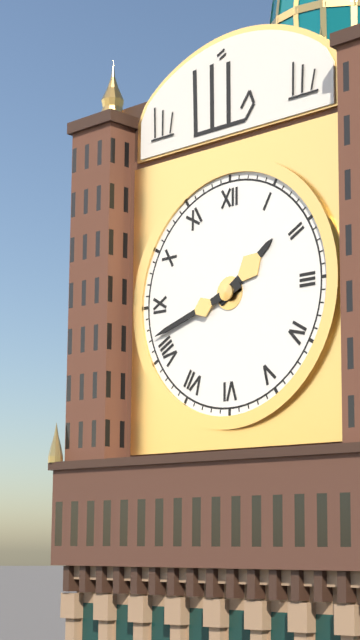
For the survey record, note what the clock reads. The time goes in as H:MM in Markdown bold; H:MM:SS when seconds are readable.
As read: **1:42**
